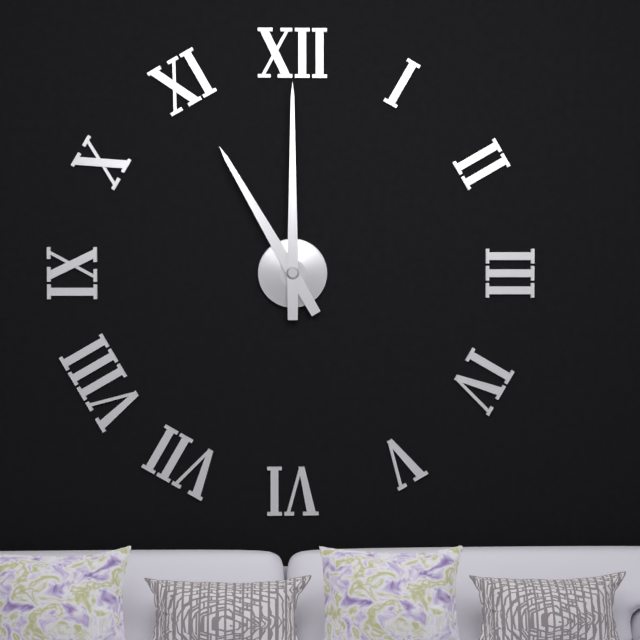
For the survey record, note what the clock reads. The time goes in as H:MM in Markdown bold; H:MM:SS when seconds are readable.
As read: **11:00**
